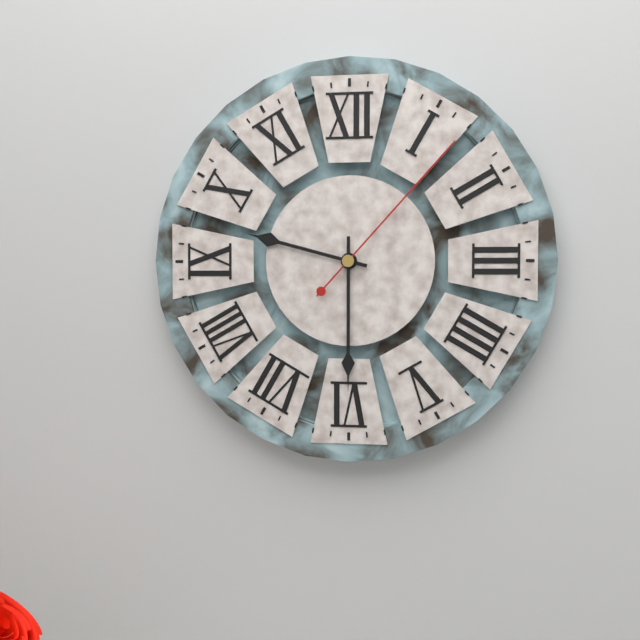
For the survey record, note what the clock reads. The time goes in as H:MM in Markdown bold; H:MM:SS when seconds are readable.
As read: **9:30:07**
